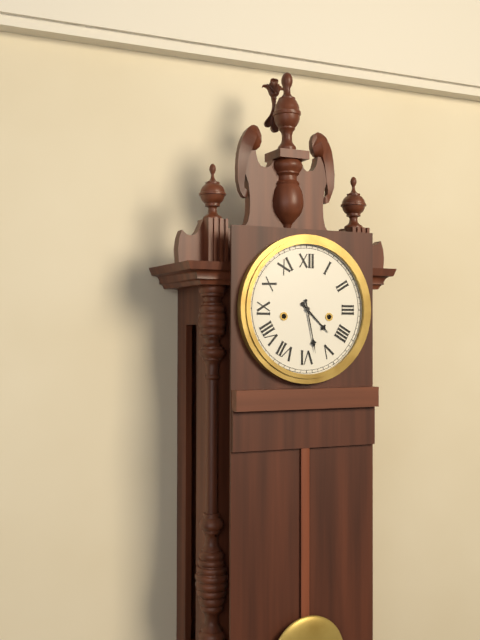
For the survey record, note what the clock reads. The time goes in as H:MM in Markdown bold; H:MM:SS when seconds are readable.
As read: **4:28**
